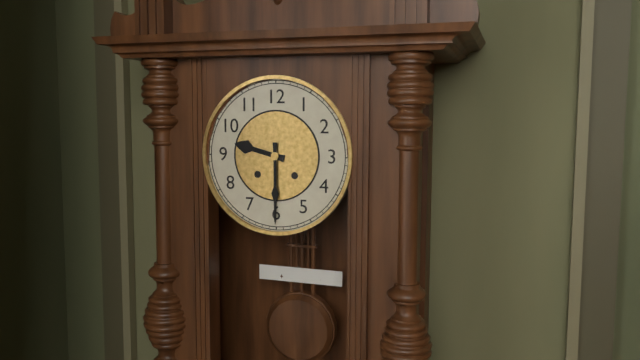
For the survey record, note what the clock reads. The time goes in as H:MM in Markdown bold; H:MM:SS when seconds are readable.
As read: **9:30**
